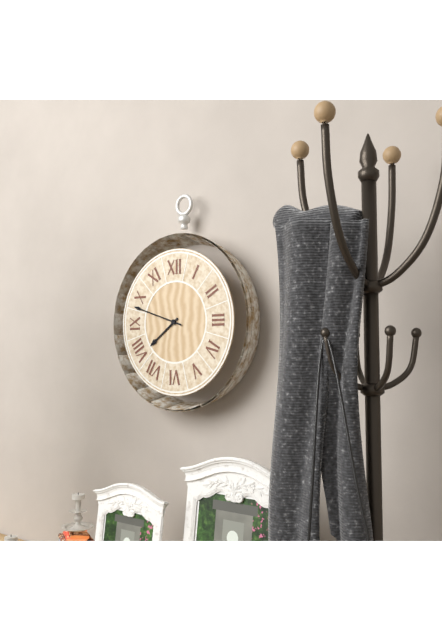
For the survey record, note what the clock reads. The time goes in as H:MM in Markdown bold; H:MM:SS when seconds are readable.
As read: **7:48**
